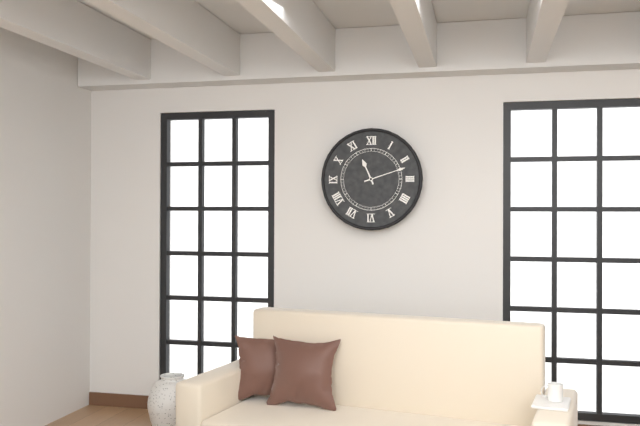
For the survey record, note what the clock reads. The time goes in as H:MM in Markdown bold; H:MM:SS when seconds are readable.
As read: **11:12**
